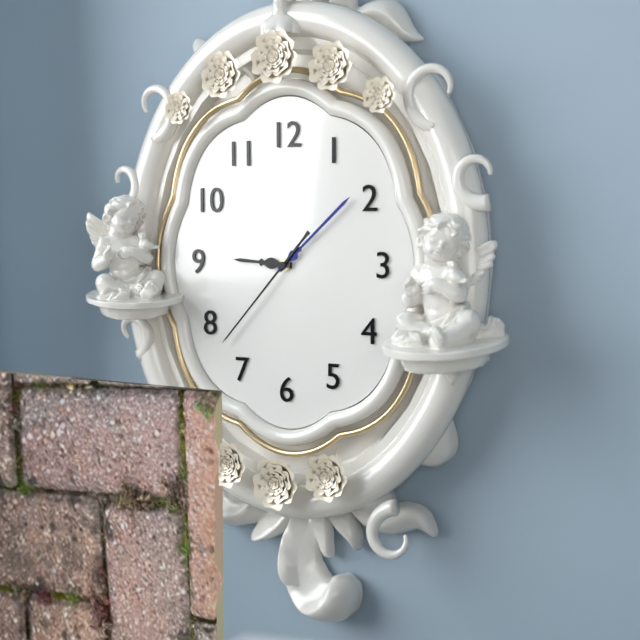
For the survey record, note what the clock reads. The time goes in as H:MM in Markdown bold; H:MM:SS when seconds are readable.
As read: **9:08:37**
